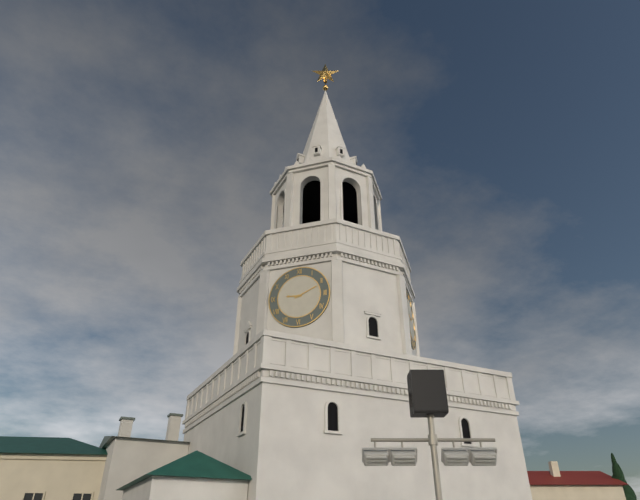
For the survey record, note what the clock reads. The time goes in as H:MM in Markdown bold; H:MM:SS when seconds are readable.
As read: **9:11**
